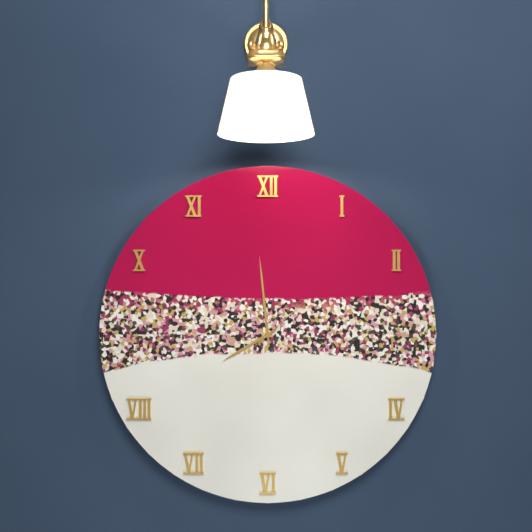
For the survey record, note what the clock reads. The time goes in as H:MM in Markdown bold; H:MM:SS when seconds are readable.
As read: **7:59:08**
